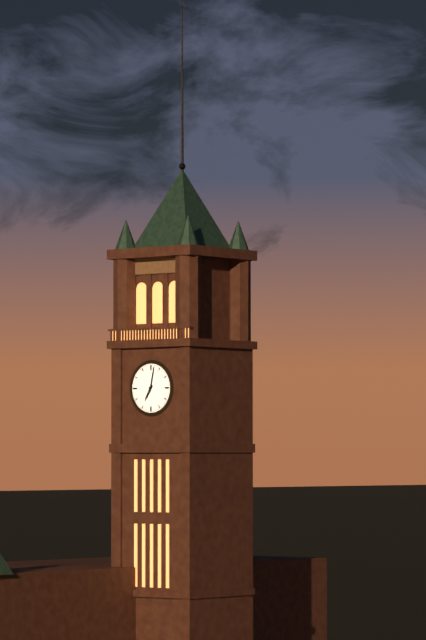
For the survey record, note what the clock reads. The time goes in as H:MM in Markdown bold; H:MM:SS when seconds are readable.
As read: **7:02**
